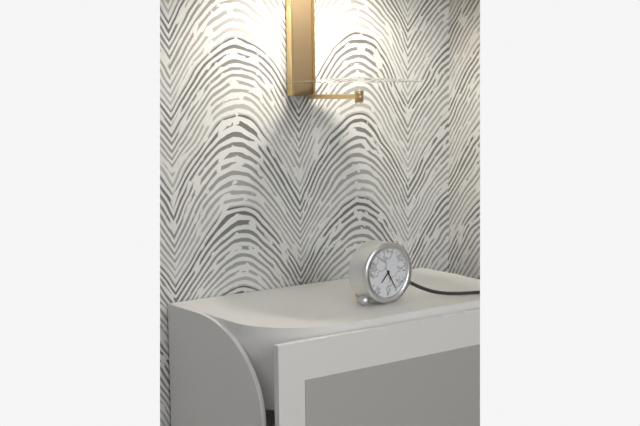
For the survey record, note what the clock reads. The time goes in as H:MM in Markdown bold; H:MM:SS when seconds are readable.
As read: **7:25**
